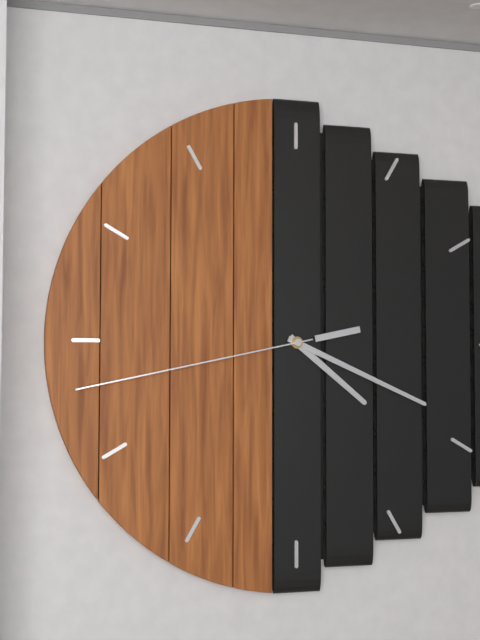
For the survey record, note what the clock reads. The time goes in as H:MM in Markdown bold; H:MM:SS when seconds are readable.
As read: **4:19:43**
